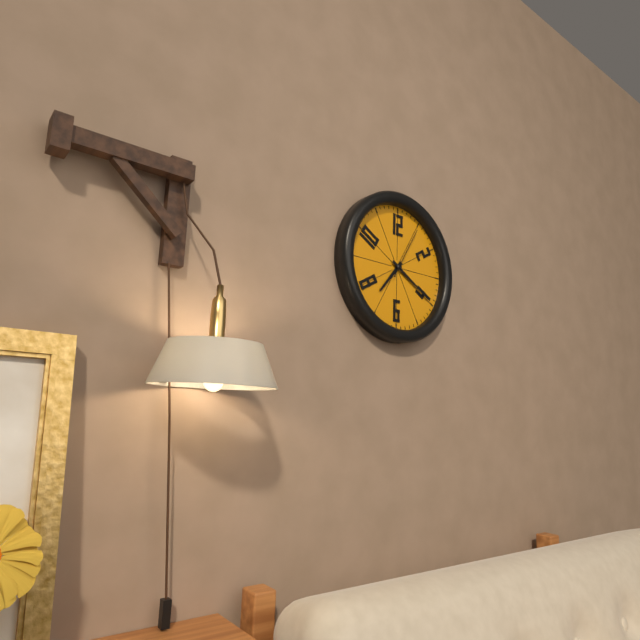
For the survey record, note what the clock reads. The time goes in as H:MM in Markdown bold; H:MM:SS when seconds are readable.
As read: **7:20:05**
